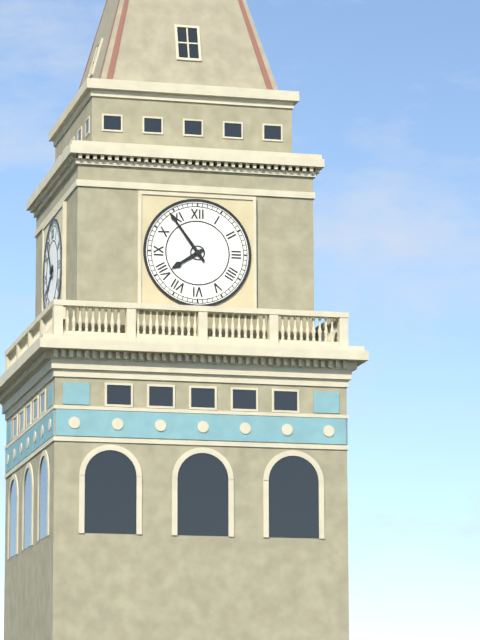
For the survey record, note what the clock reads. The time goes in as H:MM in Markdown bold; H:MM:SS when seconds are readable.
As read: **7:54**
